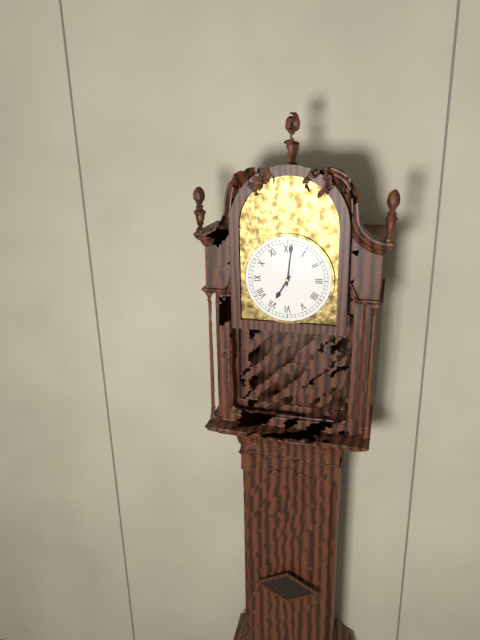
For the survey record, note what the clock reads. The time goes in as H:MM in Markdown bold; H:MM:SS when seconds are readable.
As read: **7:01**
